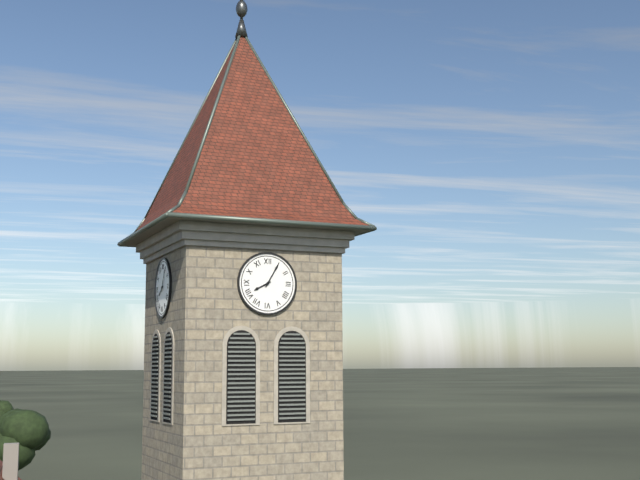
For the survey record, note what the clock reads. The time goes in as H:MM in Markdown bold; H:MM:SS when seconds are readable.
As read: **8:05**
